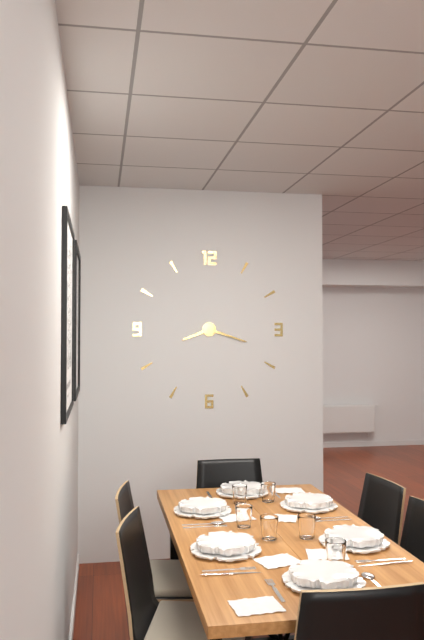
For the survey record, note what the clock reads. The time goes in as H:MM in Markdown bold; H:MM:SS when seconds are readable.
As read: **8:18**
